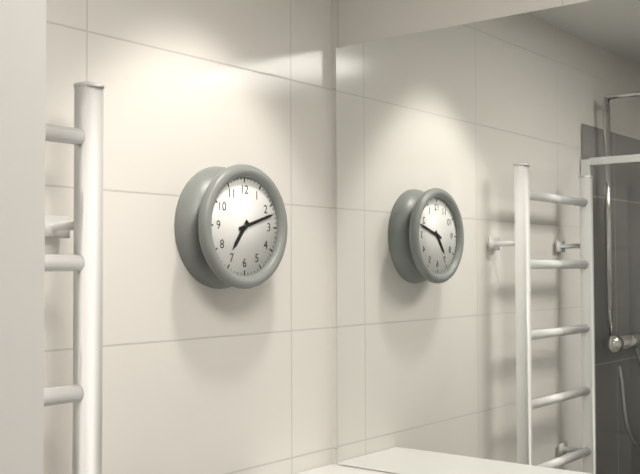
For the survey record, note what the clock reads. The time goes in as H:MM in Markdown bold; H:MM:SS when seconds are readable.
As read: **7:12**
